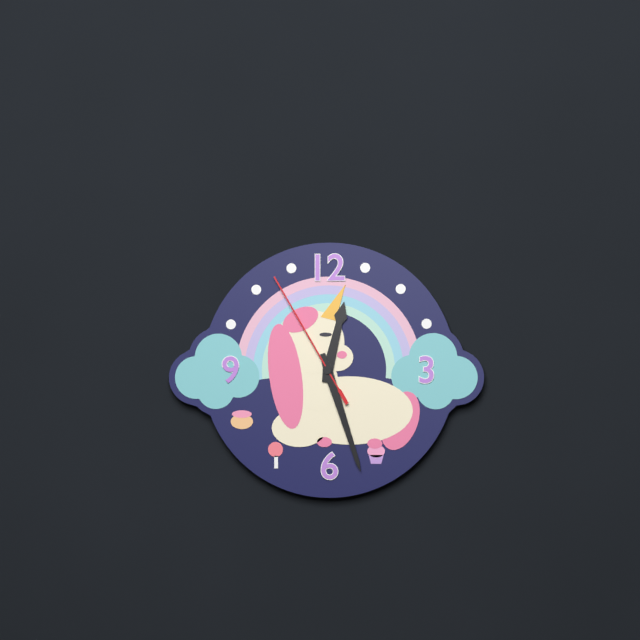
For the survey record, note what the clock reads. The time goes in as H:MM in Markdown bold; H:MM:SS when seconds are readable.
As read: **12:27:55**
